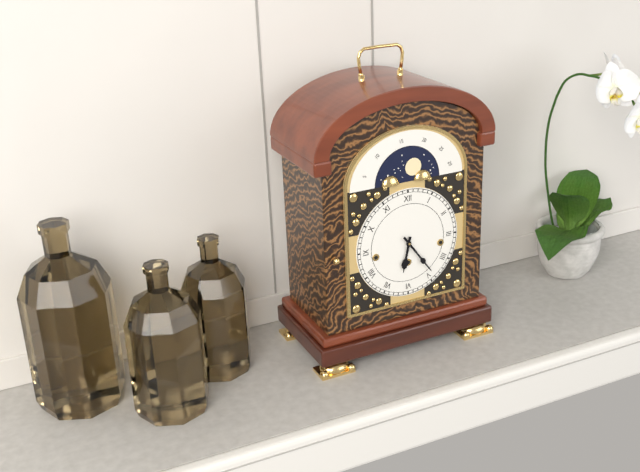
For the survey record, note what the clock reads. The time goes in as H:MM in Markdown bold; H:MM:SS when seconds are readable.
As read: **6:24**
